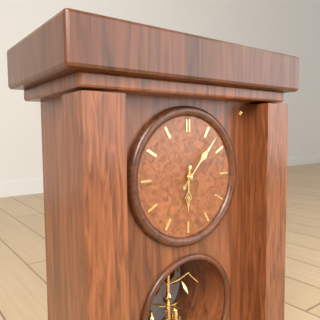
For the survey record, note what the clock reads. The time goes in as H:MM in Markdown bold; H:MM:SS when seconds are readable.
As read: **6:07**
